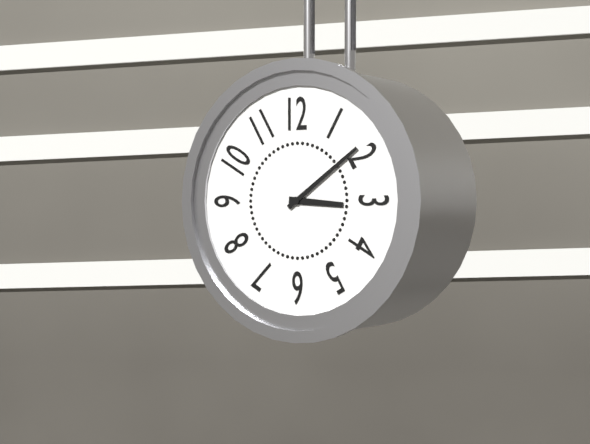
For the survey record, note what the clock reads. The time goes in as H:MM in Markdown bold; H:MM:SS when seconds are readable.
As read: **3:09**
